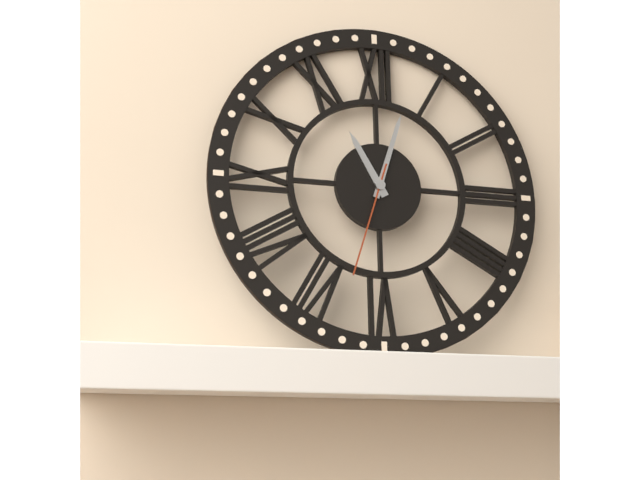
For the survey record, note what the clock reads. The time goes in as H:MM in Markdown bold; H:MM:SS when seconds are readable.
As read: **11:03:33**
